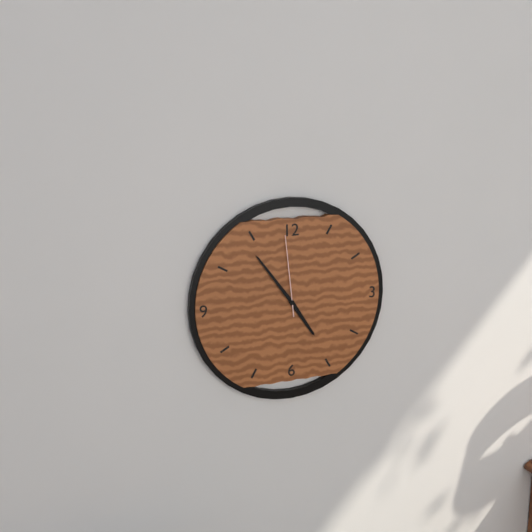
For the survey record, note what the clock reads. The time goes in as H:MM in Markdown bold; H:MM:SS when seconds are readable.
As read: **4:54:59**
